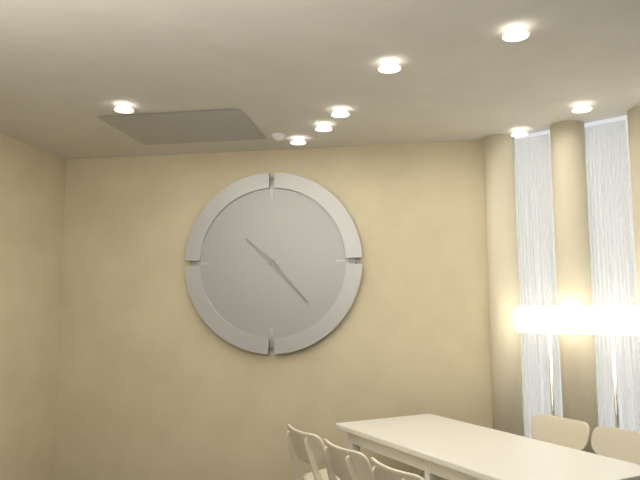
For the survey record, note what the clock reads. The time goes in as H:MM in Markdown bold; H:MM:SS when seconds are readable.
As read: **10:23**
